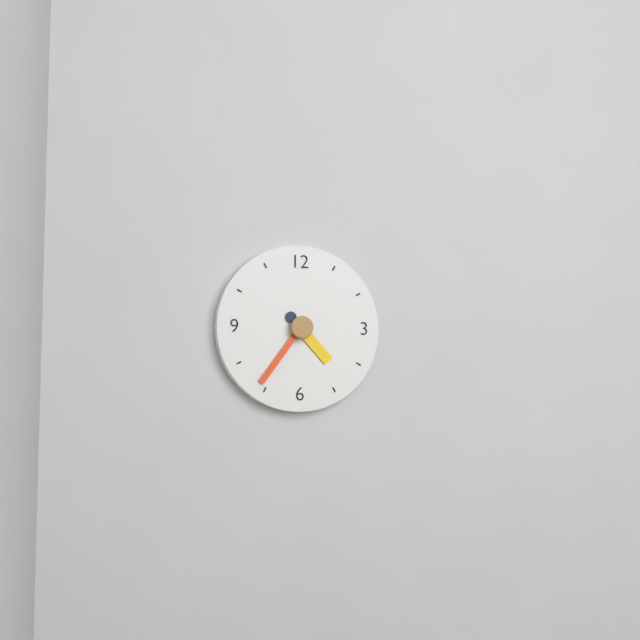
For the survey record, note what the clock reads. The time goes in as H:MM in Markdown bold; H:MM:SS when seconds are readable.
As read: **4:36**
